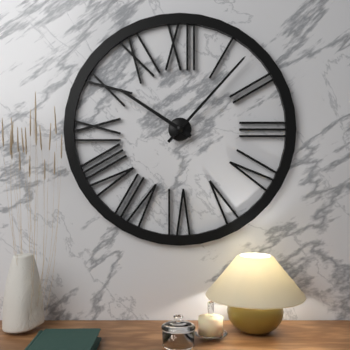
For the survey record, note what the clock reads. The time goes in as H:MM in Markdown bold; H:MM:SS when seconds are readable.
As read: **10:07**
